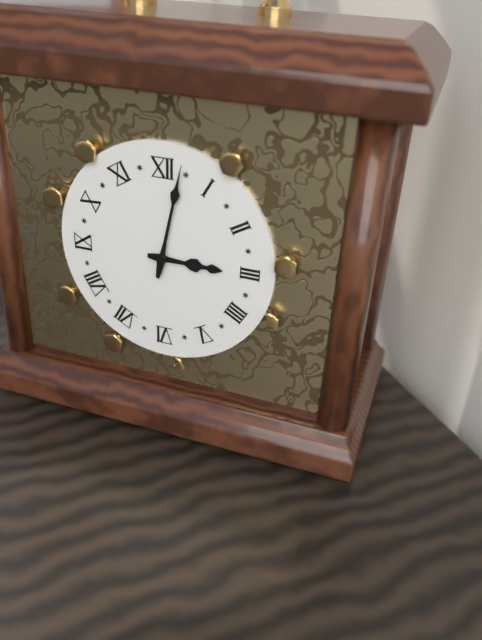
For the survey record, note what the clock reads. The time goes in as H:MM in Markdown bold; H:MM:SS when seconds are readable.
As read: **3:02**
